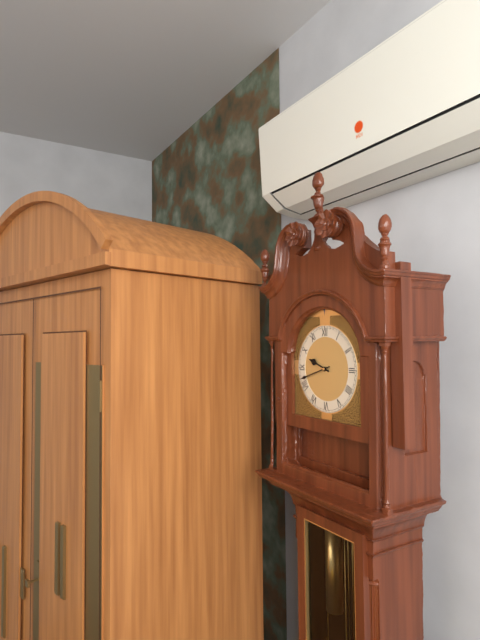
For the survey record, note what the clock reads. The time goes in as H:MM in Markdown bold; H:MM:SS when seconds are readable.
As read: **9:42**
